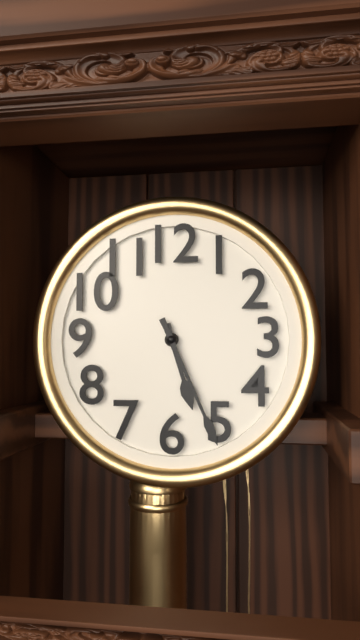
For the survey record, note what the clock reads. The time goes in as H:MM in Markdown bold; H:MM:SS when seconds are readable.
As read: **5:26**
